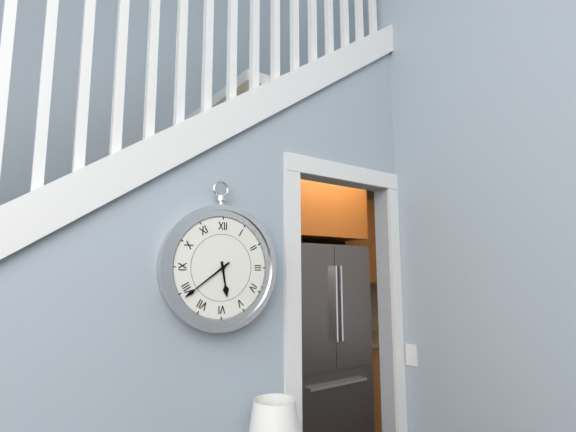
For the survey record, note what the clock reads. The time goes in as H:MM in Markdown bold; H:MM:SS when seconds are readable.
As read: **5:39**
